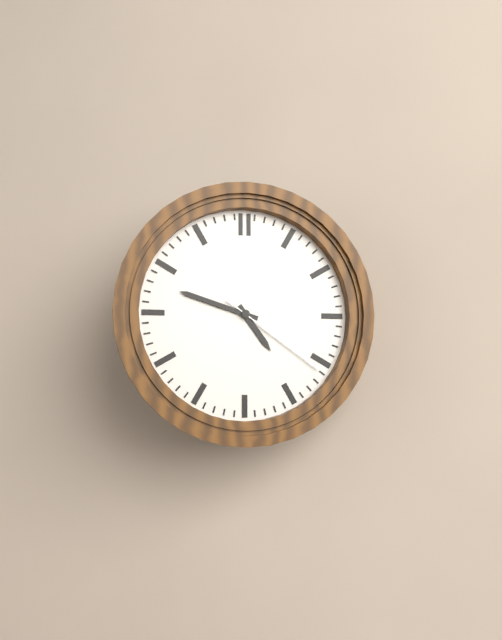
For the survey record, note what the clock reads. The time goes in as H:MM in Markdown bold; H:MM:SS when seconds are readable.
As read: **4:48:21**
